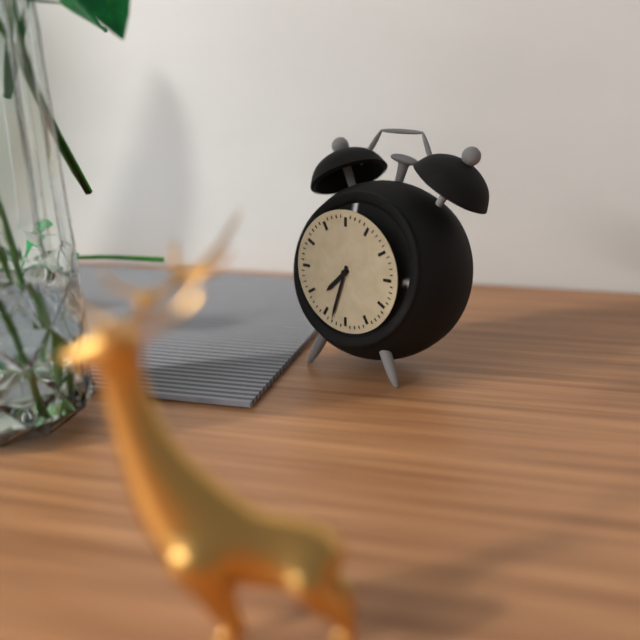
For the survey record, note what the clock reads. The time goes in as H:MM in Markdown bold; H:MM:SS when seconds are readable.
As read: **7:33**
